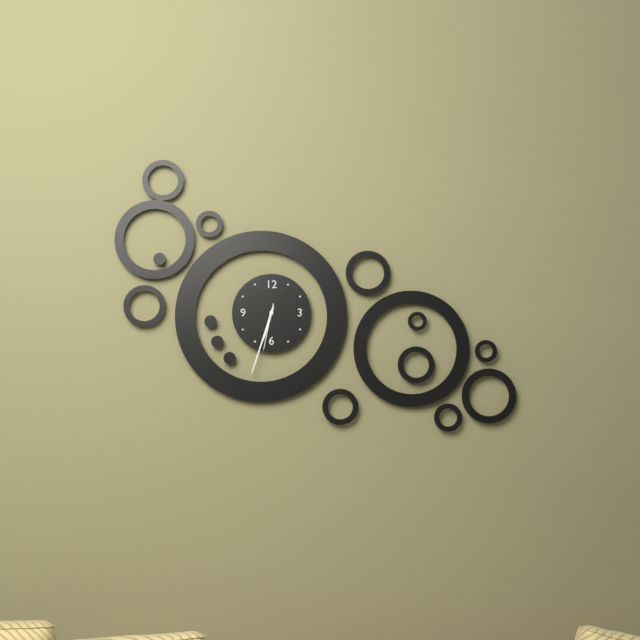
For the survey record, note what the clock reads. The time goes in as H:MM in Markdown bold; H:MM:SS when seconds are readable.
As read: **6:33:32**
